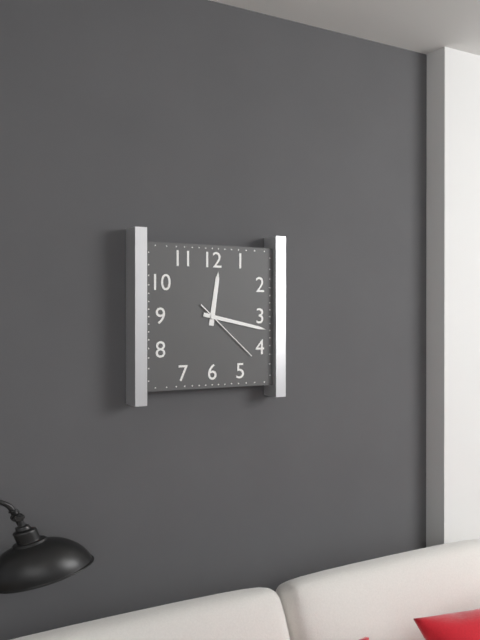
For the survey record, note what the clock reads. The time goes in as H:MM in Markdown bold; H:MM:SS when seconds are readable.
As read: **12:17:22**
